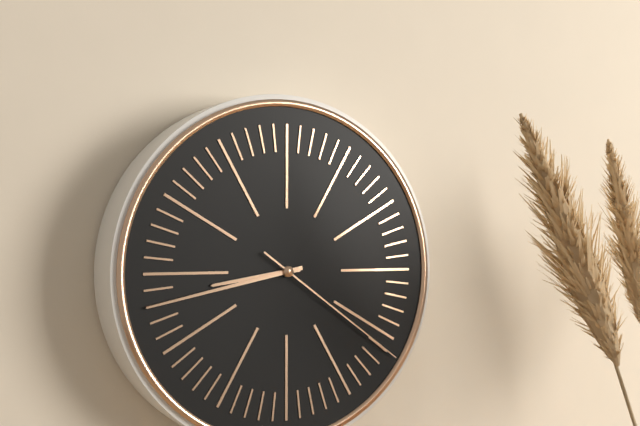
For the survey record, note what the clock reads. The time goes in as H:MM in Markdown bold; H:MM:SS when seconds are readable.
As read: **8:43:21**
